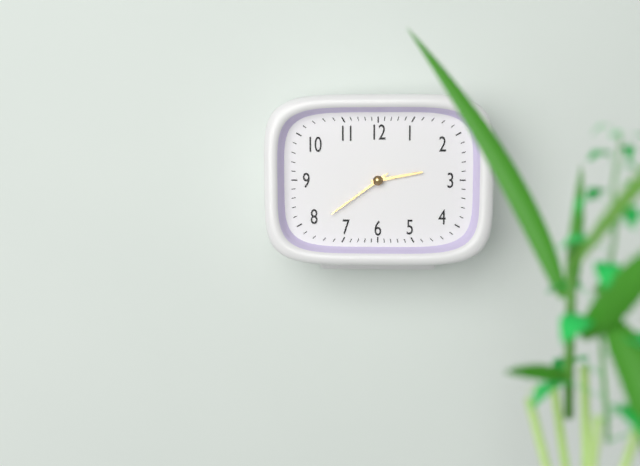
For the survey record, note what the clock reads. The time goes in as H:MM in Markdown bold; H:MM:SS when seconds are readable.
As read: **2:39:39**
